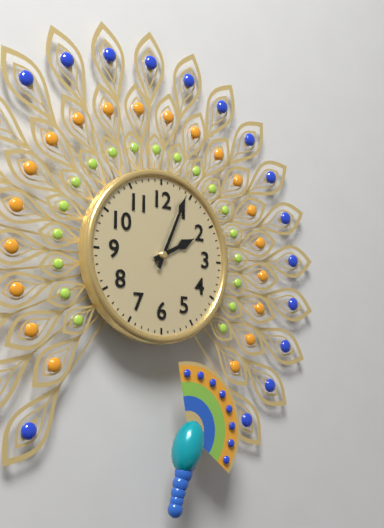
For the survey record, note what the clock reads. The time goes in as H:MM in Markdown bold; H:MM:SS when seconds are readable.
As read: **2:04**
